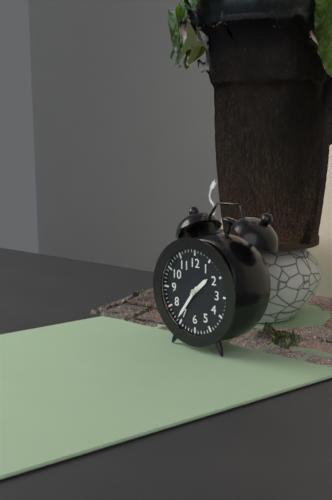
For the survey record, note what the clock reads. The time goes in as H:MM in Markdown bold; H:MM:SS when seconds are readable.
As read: **1:36**
